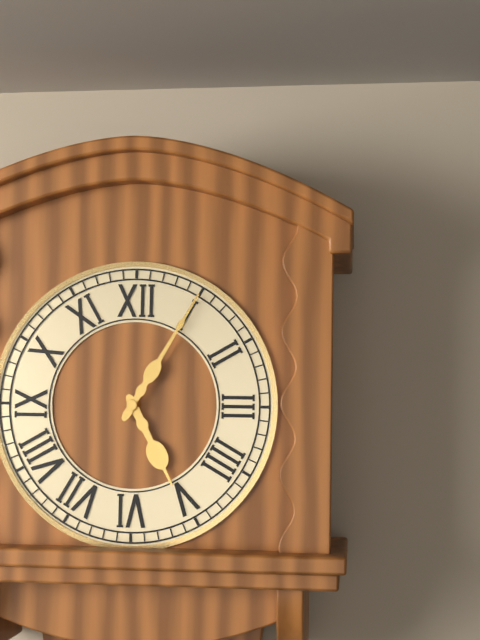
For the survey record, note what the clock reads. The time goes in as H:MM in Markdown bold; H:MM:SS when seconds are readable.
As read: **5:05**
